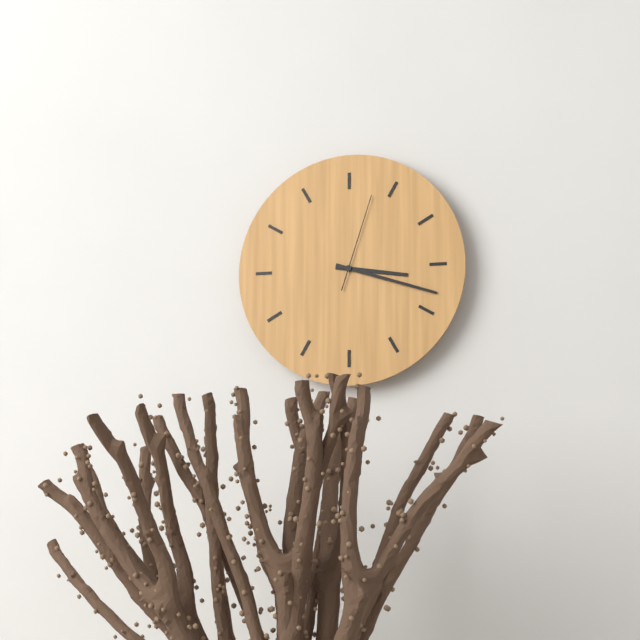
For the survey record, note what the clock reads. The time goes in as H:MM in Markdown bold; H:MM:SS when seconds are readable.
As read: **3:18:03**
